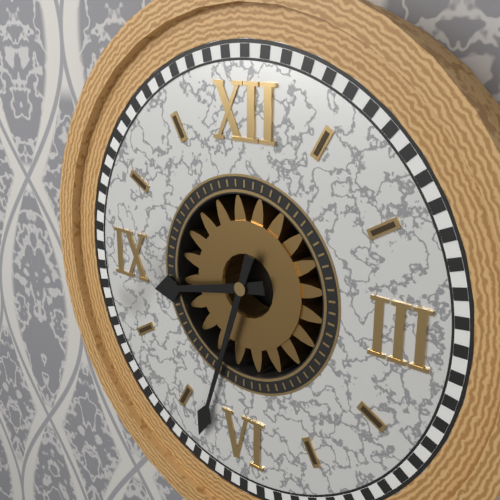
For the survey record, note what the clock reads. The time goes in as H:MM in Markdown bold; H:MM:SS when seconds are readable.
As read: **8:33**
